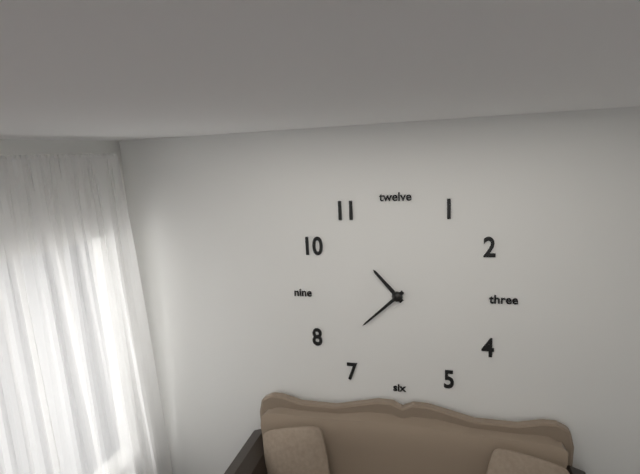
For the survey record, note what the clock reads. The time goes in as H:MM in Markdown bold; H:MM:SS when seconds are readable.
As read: **10:38**
